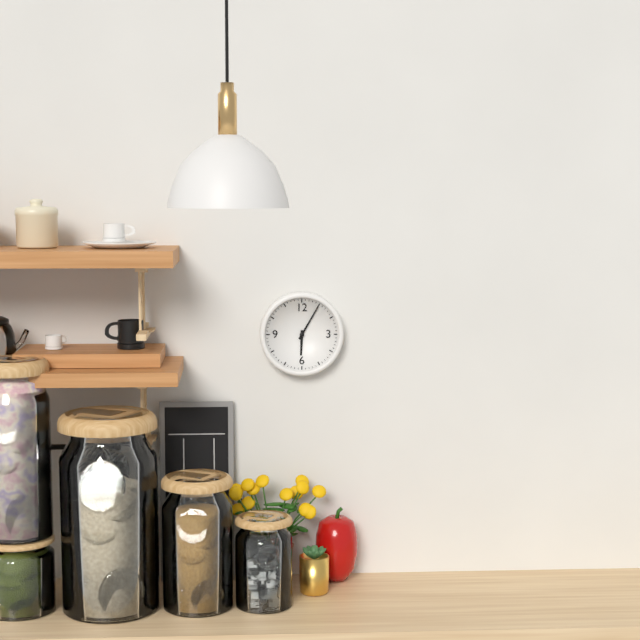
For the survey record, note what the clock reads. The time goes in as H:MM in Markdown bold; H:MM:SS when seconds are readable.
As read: **6:05**
